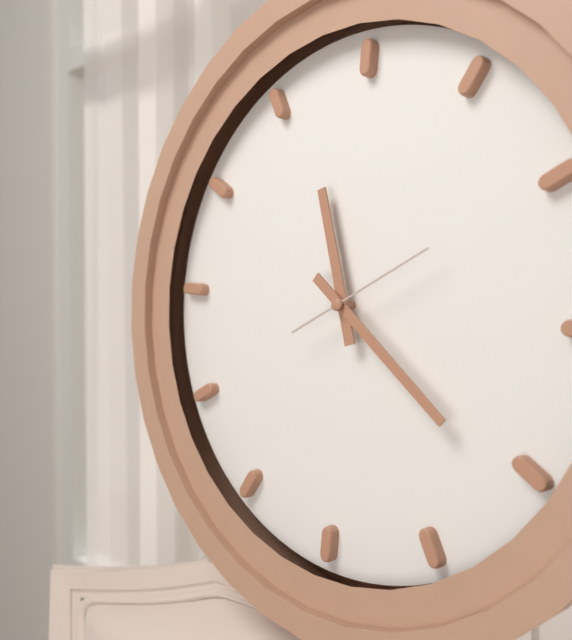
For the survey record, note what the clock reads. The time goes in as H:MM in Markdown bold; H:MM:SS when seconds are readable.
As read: **11:21:10**
